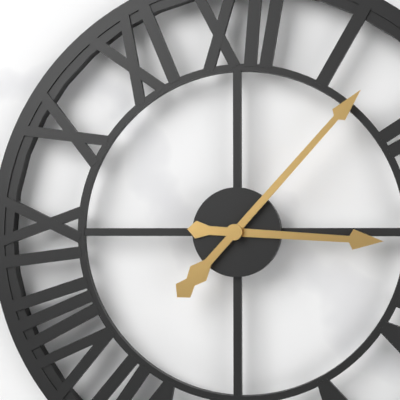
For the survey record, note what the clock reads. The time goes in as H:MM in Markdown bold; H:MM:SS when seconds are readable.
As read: **3:07**
